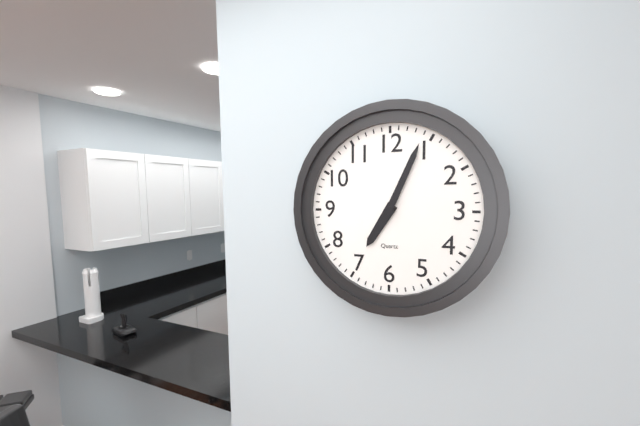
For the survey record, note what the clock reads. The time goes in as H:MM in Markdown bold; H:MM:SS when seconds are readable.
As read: **7:04**
